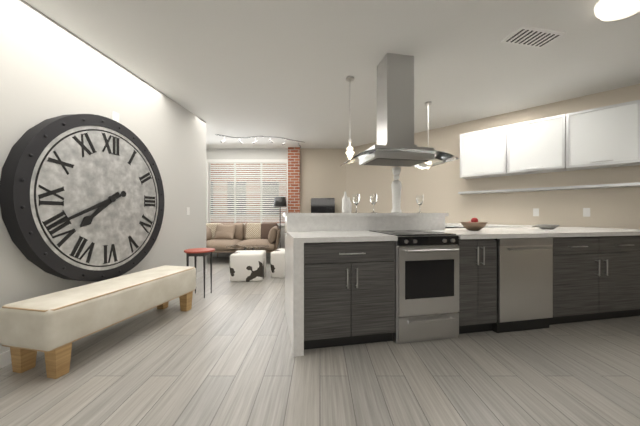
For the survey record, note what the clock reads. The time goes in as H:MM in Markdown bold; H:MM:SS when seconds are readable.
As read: **7:41**
